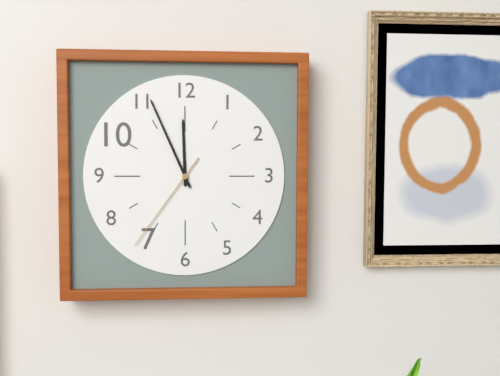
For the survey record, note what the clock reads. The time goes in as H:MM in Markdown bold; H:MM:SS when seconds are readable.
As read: **11:56:36**
